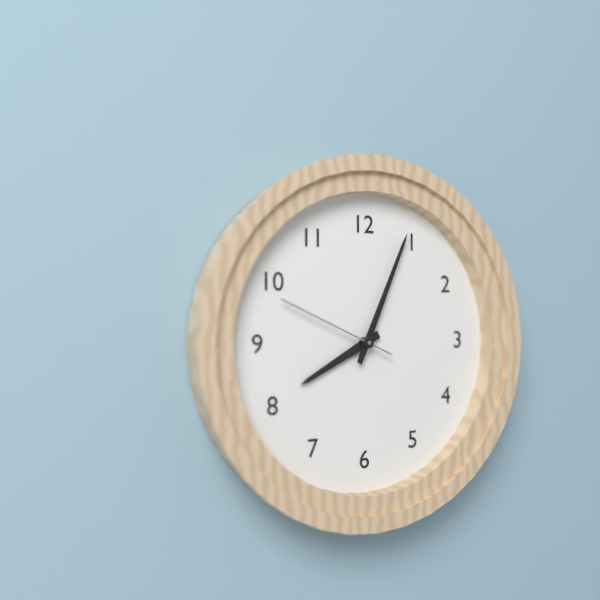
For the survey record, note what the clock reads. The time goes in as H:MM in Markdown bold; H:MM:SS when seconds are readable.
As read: **8:04:49**
